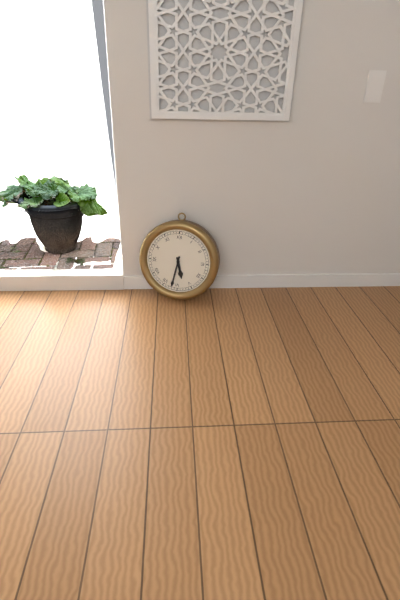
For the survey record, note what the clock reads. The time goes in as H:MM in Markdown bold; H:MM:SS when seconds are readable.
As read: **5:32**
